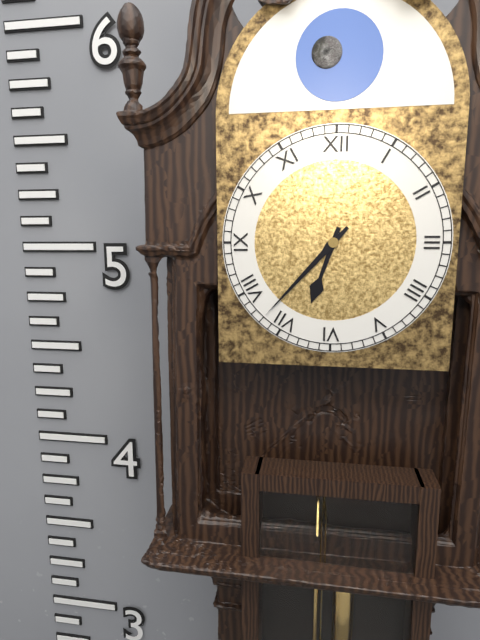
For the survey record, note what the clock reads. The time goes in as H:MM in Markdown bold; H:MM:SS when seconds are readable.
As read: **6:37**
